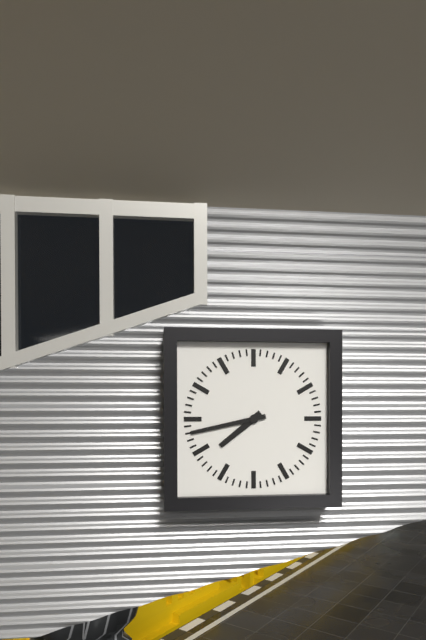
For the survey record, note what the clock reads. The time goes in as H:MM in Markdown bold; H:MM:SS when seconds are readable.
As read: **7:43**
